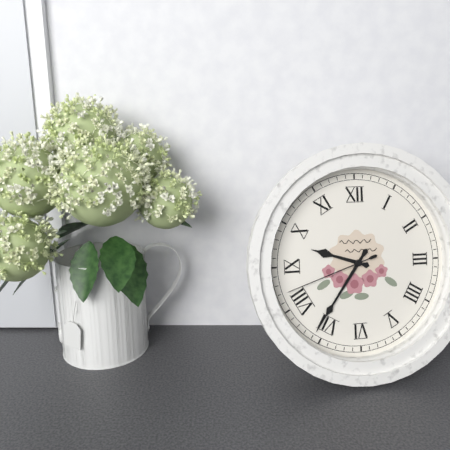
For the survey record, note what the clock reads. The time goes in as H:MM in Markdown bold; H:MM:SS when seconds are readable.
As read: **9:36:42**
